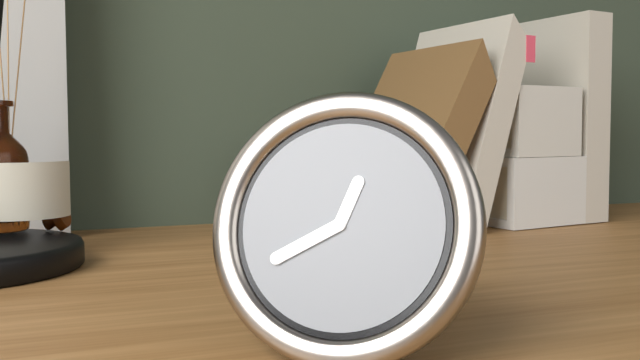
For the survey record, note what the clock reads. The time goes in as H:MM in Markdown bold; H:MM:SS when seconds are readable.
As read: **12:40**
